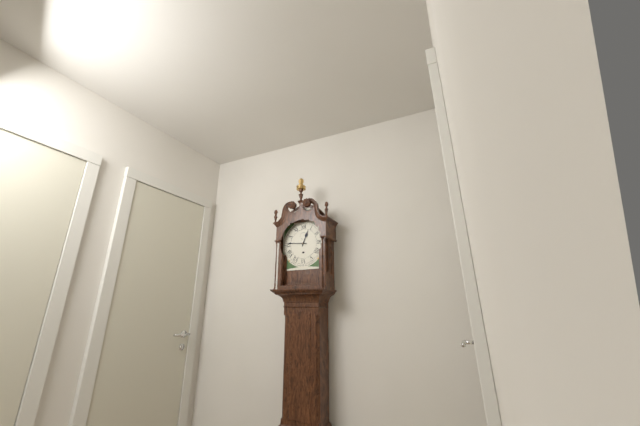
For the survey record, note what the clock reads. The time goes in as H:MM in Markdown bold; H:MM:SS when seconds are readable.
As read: **12:46**
